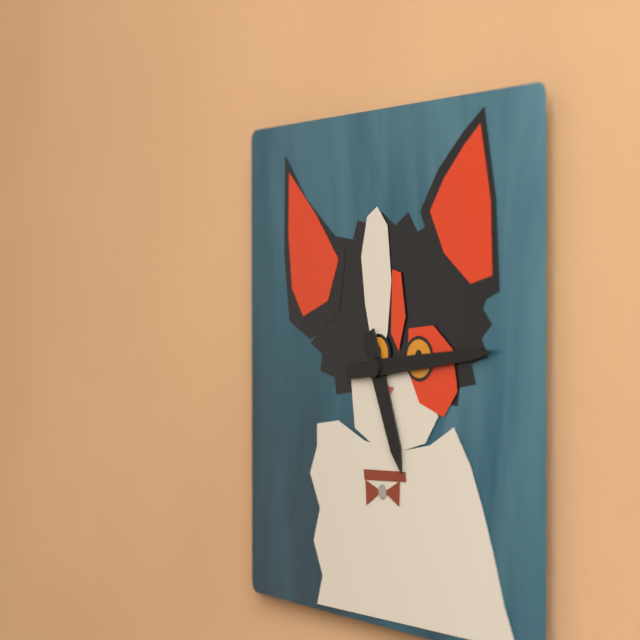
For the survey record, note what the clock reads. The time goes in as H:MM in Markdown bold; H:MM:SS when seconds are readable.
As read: **5:14**
